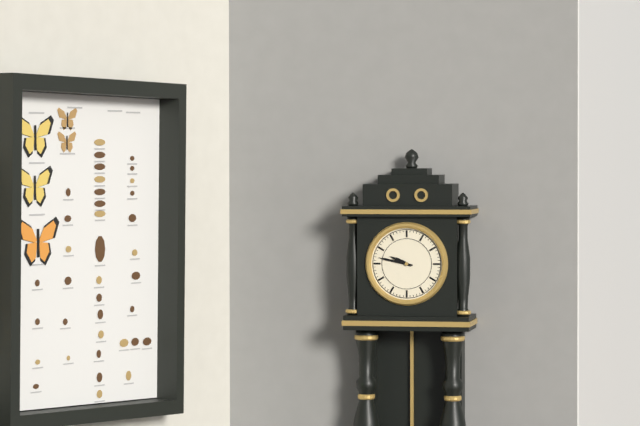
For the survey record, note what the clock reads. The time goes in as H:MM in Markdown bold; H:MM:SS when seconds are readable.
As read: **9:47**
